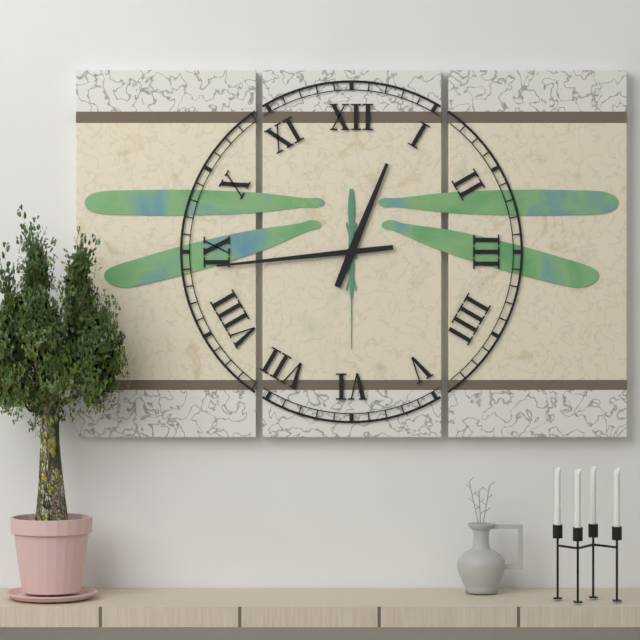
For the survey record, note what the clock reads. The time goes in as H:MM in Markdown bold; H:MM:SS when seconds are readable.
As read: **12:44**
